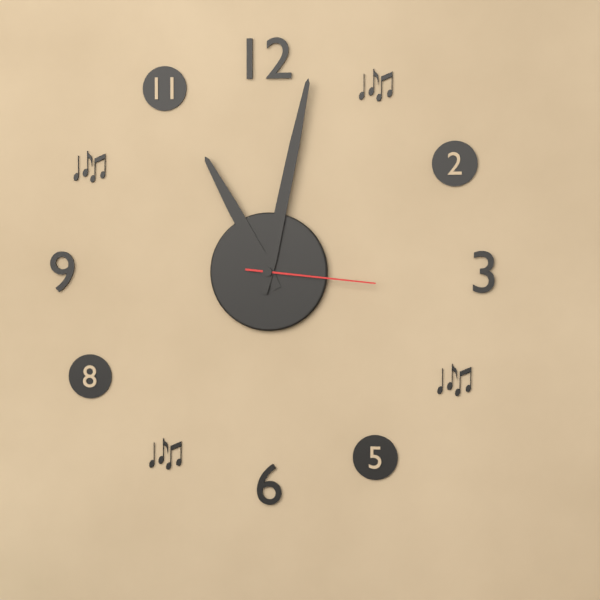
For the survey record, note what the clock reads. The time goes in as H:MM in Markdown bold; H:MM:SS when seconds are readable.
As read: **11:02:16**
